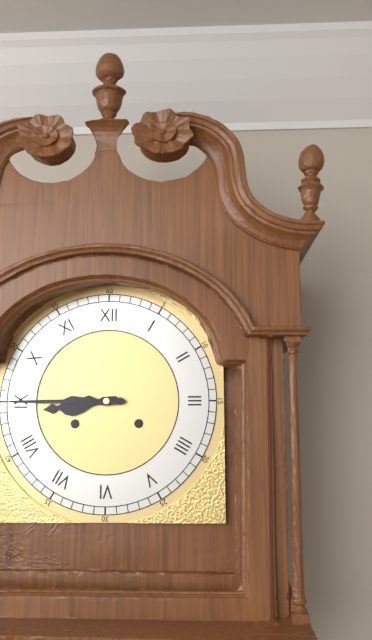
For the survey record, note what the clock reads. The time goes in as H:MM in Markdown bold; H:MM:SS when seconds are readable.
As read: **8:45**
